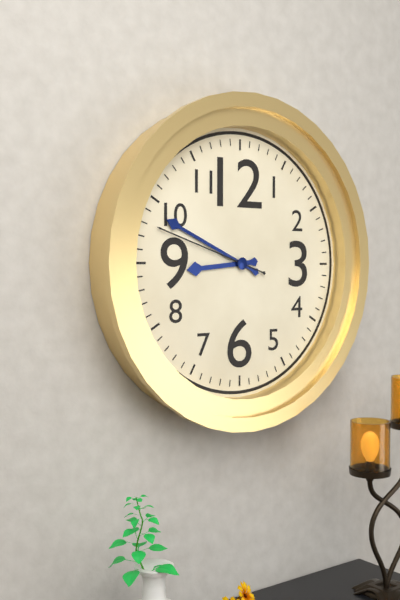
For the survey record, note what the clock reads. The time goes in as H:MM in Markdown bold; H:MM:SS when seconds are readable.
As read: **8:49:48**
